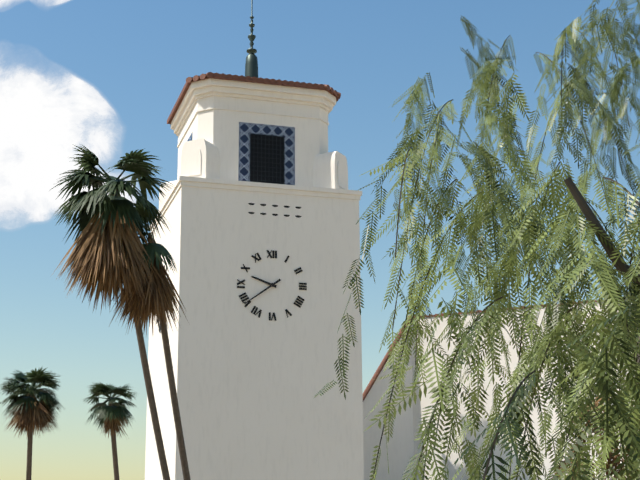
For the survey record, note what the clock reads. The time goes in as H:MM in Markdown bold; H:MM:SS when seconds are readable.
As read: **9:39**
